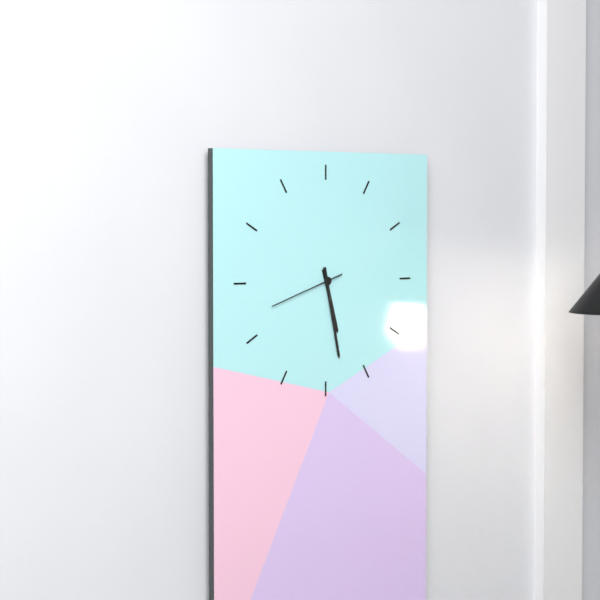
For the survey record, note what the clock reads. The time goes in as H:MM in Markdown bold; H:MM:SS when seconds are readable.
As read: **5:28:42**
